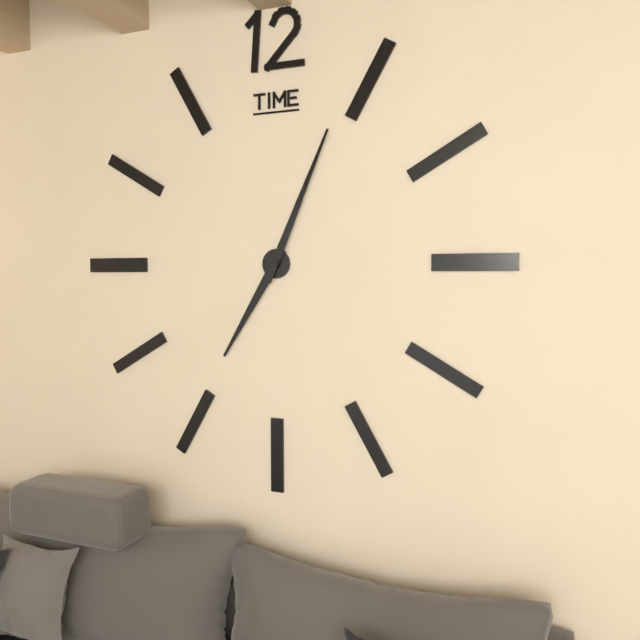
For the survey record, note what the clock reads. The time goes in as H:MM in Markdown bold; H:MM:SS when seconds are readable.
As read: **7:04**
